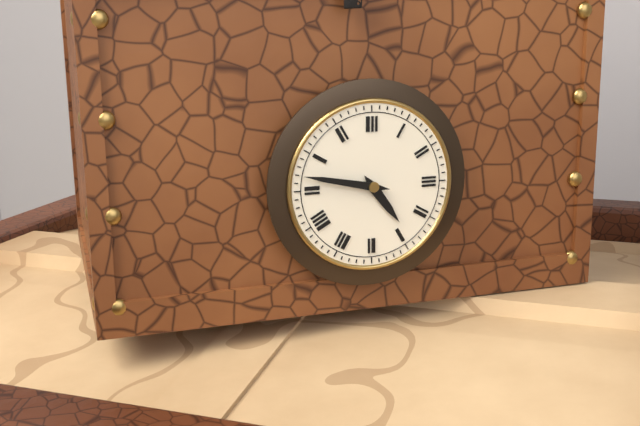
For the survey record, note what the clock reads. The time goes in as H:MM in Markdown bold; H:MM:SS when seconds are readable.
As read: **4:47**
